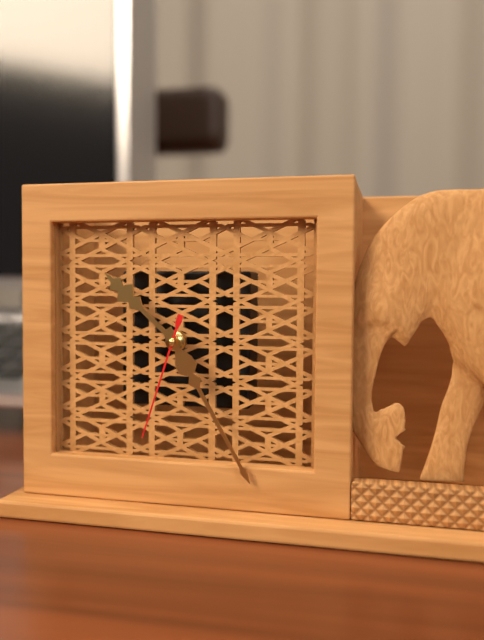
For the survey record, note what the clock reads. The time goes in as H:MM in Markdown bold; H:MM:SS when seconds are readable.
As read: **10:25:33**
